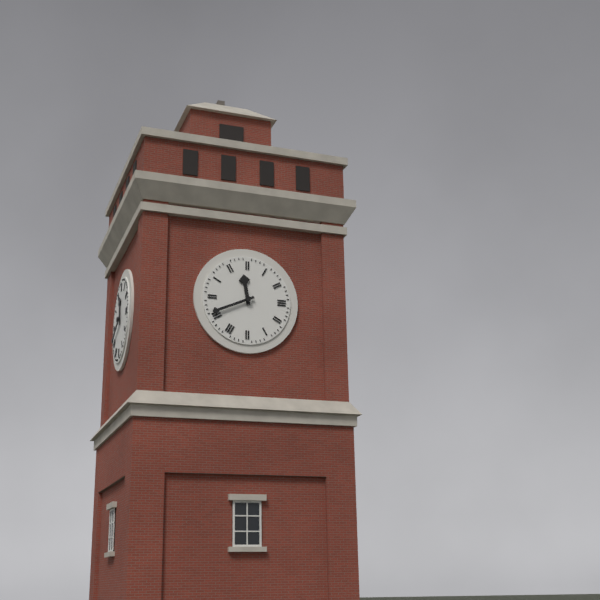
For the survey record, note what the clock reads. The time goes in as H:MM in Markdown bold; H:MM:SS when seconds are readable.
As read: **11:41**
